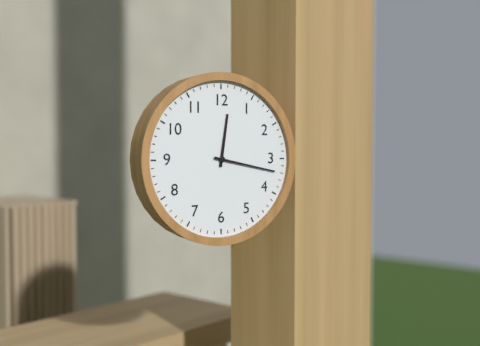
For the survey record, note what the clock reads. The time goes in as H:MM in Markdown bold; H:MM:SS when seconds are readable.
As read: **12:17**
